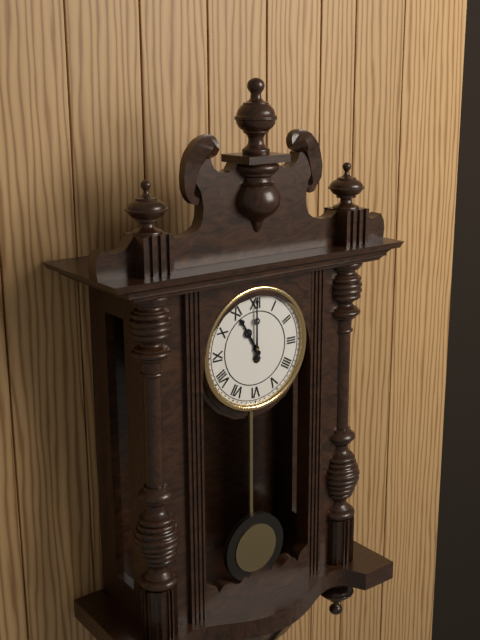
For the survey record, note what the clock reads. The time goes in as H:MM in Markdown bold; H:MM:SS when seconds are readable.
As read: **11:00**
